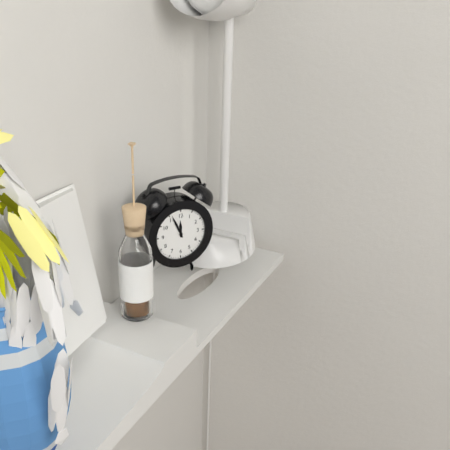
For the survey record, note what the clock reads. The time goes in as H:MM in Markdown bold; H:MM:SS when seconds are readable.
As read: **11:56**
